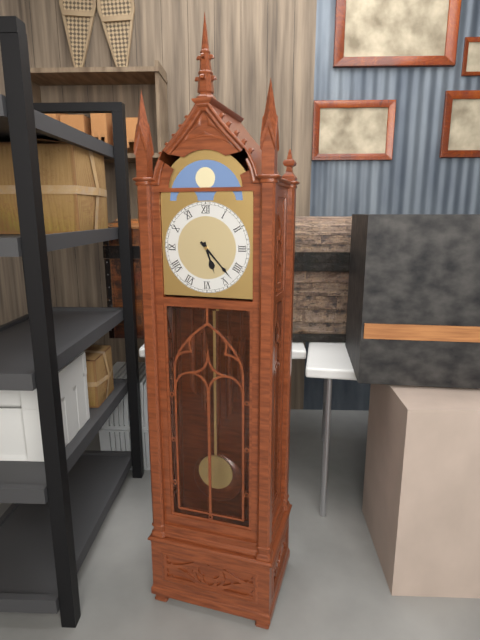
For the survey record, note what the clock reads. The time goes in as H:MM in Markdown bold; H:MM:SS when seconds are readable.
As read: **5:23**
